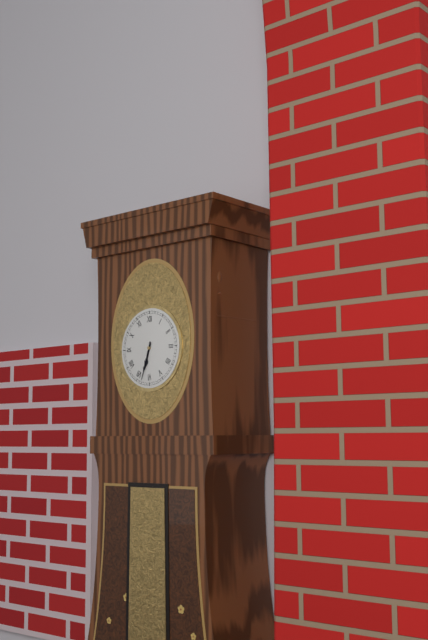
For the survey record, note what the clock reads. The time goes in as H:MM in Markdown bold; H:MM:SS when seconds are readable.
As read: **6:33**
